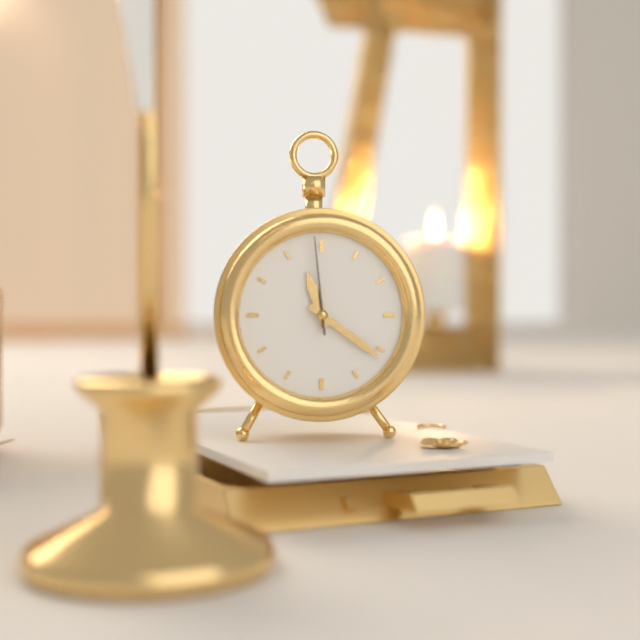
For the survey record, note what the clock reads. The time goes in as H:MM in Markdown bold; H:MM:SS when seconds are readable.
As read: **11:21:59**
